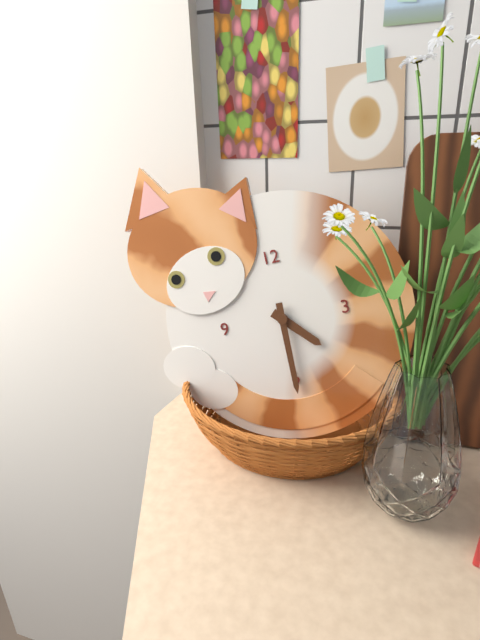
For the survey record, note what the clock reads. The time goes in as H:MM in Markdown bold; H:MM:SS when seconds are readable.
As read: **4:30**
